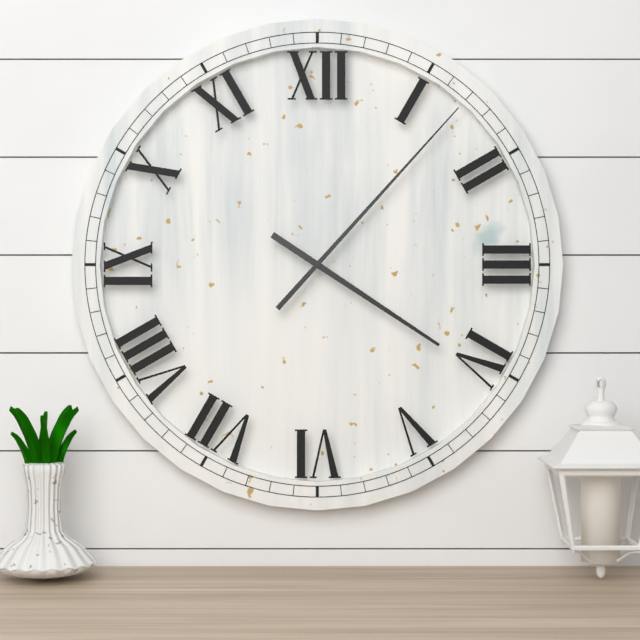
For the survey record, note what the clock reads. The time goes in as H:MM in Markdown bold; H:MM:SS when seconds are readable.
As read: **4:07**
